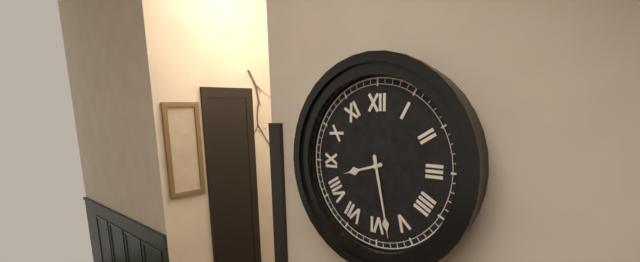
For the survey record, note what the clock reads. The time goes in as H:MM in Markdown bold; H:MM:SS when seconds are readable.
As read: **8:28**
